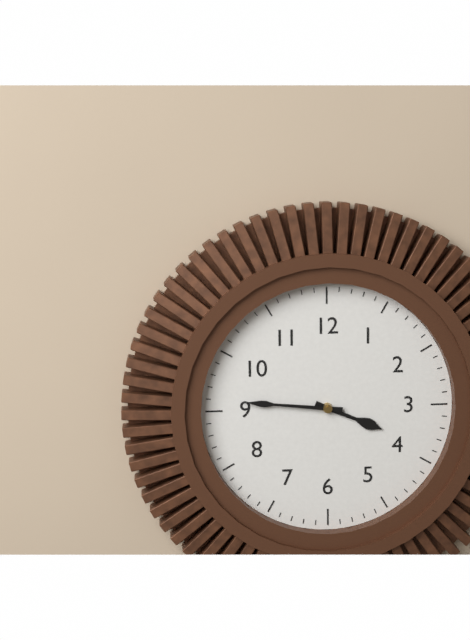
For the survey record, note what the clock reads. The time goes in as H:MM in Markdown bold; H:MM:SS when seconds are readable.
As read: **3:46**
